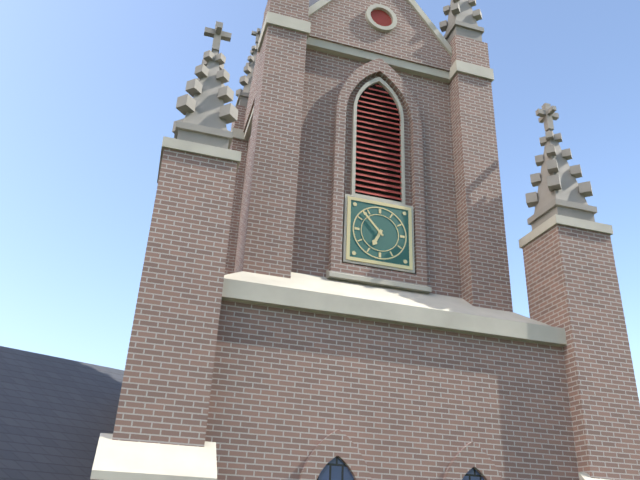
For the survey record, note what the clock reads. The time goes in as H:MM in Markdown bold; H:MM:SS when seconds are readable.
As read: **6:53**
